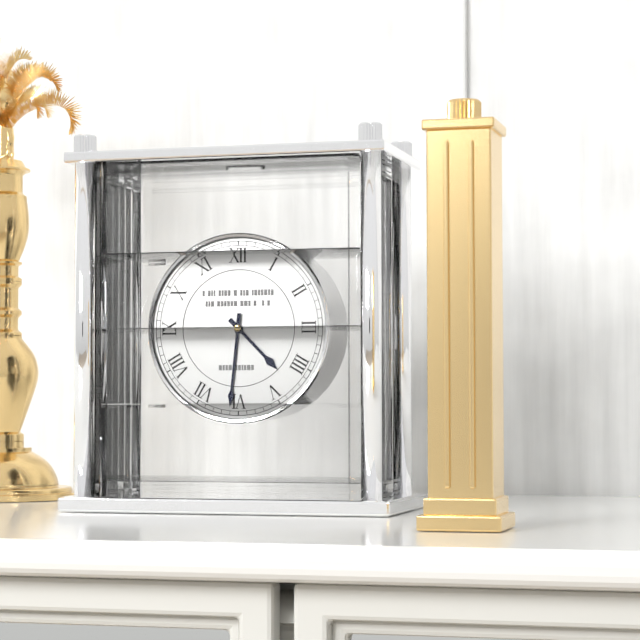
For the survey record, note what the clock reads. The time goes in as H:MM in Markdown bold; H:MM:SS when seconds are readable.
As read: **4:31**
